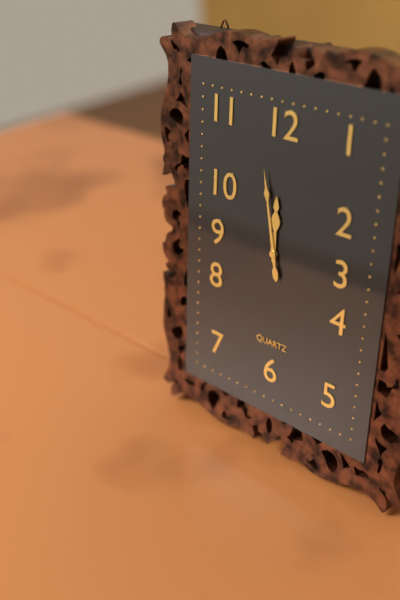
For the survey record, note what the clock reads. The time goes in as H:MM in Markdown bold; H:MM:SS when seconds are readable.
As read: **11:58**
